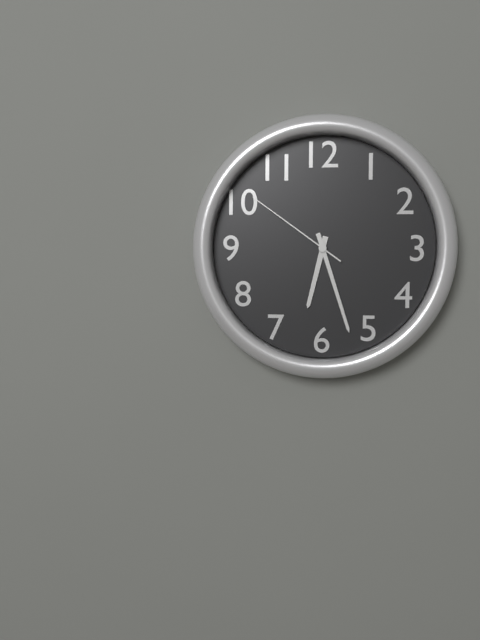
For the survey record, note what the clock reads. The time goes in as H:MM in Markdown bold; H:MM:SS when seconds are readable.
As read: **6:27:51**
